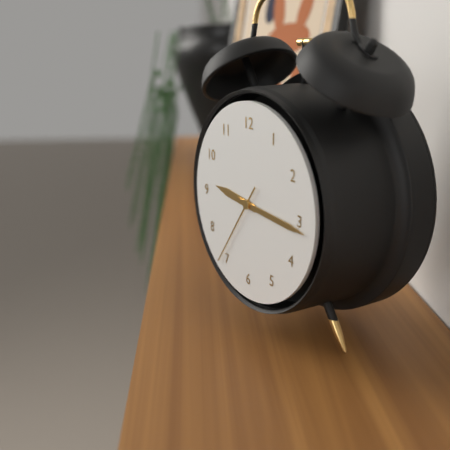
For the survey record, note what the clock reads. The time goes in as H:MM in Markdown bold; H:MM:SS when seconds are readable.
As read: **9:16:36**
